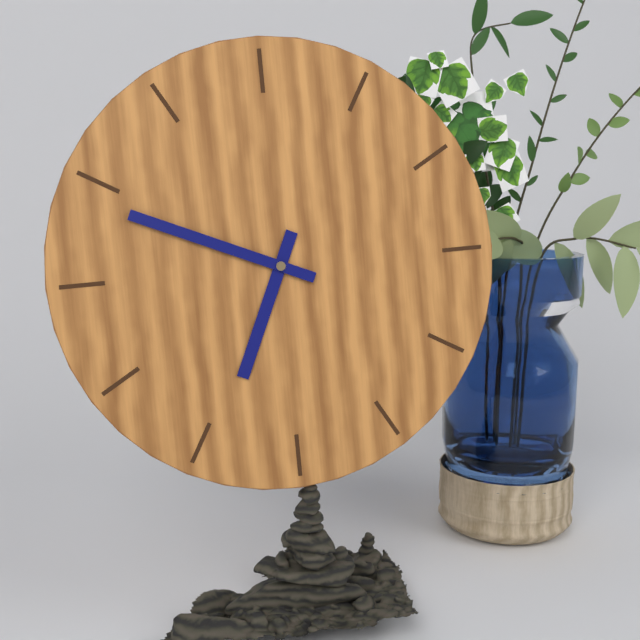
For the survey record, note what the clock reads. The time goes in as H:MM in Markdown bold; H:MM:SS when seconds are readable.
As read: **6:49**
